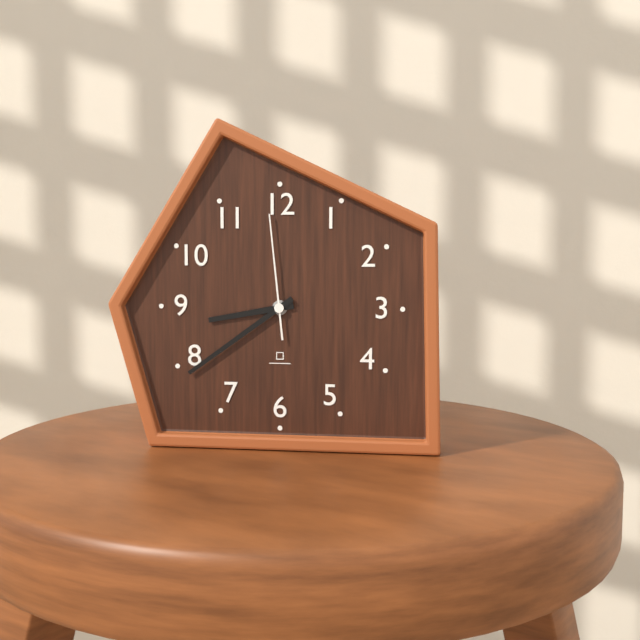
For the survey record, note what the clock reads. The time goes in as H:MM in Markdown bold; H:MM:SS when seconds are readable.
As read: **8:39:59**
